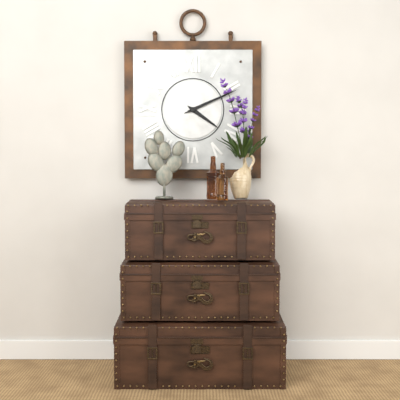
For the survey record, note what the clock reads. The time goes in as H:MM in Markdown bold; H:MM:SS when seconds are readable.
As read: **4:11**
